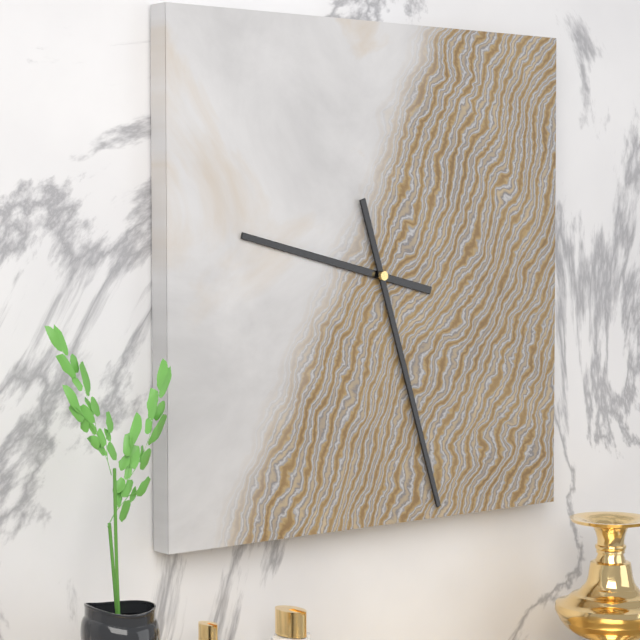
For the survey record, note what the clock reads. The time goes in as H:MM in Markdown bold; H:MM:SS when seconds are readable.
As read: **9:27**
